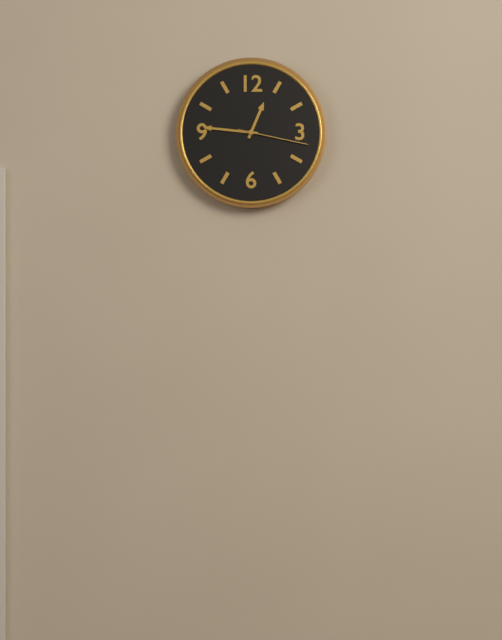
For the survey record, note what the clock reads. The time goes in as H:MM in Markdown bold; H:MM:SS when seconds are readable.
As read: **12:46:17**
